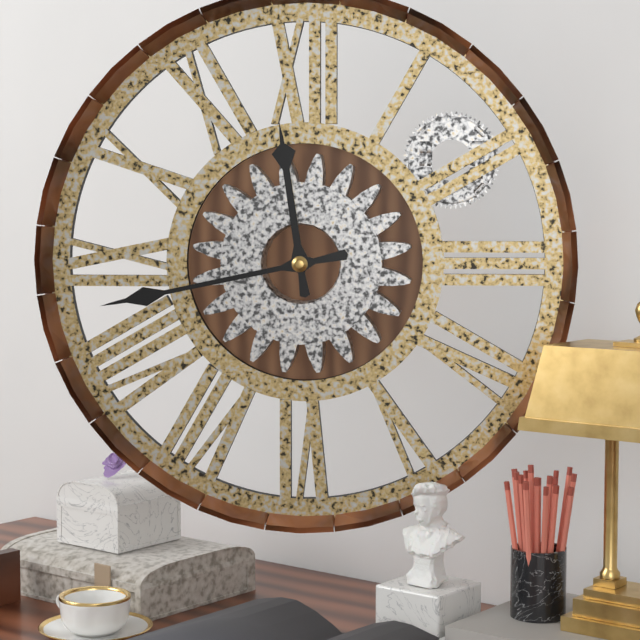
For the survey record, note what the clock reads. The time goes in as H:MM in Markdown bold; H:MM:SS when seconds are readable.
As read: **11:43**
